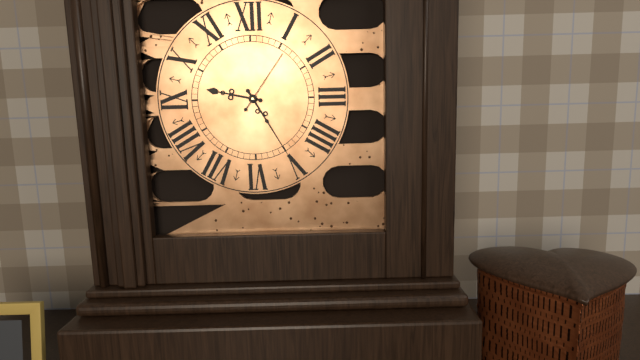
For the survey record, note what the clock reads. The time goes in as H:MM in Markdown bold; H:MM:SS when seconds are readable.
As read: **9:25:06**
